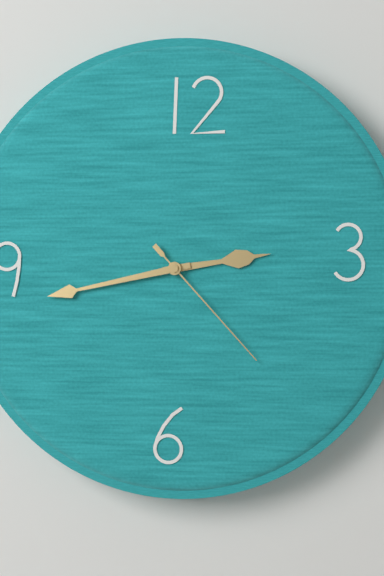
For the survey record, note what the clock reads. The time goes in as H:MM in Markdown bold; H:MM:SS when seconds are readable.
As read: **2:43:23**
